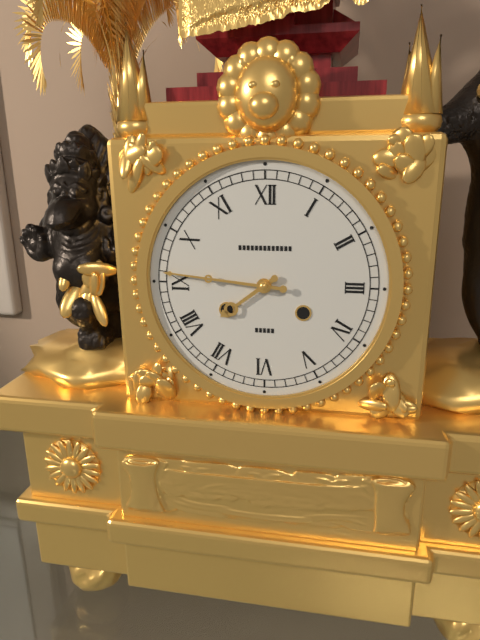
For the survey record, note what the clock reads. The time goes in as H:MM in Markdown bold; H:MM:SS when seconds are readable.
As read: **7:46**
